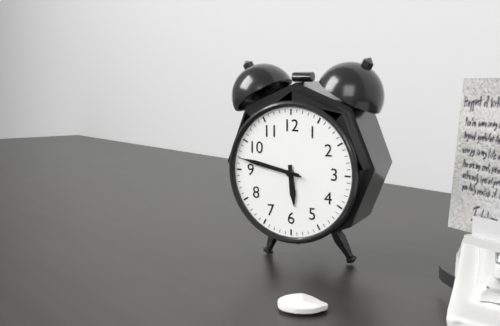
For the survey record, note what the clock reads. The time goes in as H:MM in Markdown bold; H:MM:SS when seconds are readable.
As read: **5:47:47**
